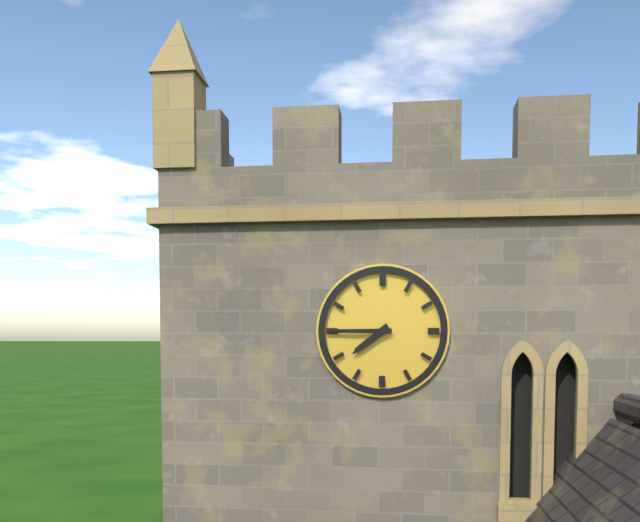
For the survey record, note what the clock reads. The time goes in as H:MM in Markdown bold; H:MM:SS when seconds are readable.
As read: **7:45**
